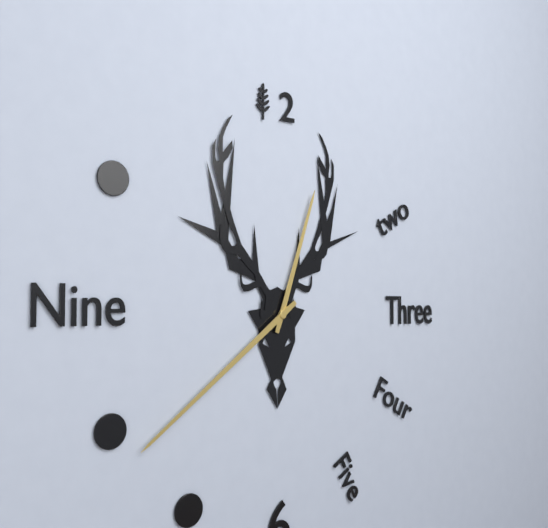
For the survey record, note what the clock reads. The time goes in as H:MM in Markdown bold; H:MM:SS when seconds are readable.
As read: **12:39**
